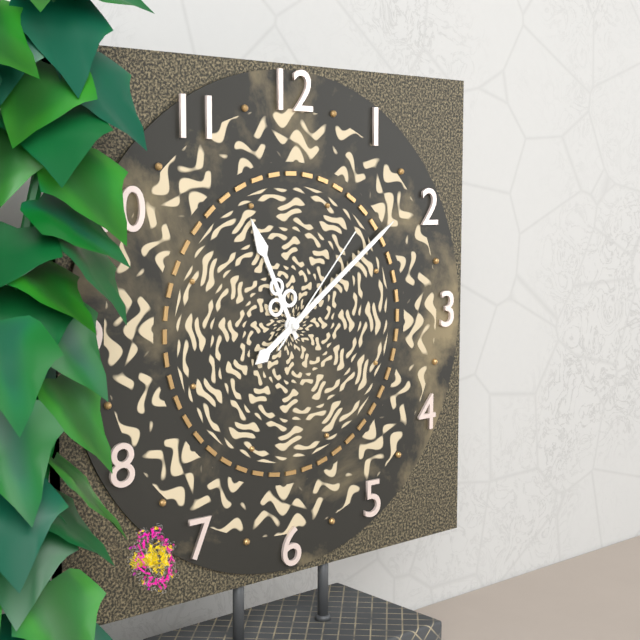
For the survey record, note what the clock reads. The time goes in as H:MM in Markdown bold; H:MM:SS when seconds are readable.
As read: **11:09:07**
